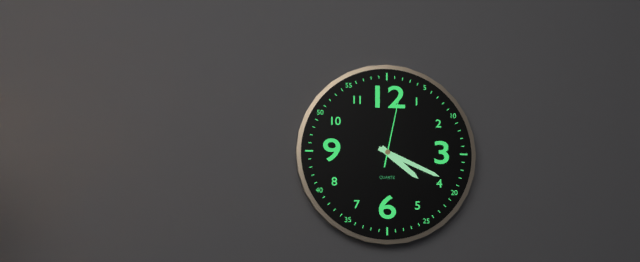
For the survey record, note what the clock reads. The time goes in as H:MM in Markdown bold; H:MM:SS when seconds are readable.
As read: **4:19:02**
